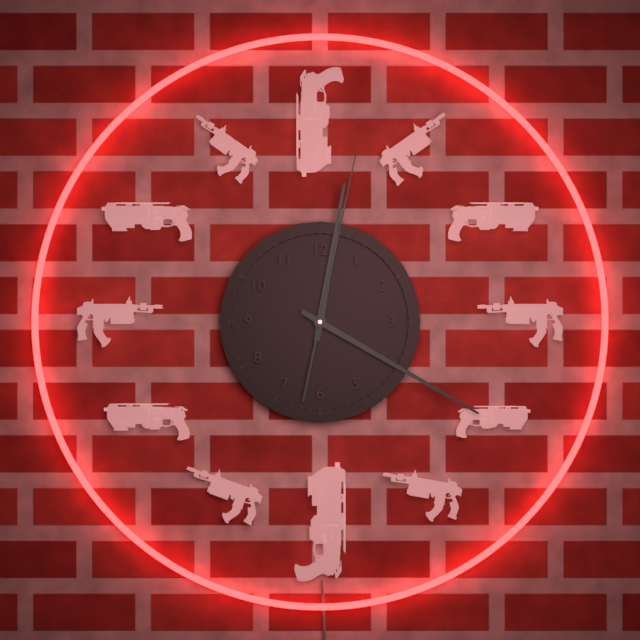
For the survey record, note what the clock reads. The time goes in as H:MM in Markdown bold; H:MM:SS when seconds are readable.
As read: **12:20:02**
